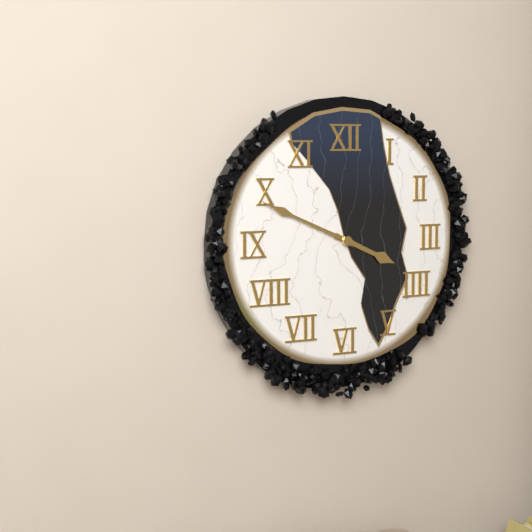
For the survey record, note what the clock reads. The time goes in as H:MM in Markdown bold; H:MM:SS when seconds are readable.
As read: **3:49**
